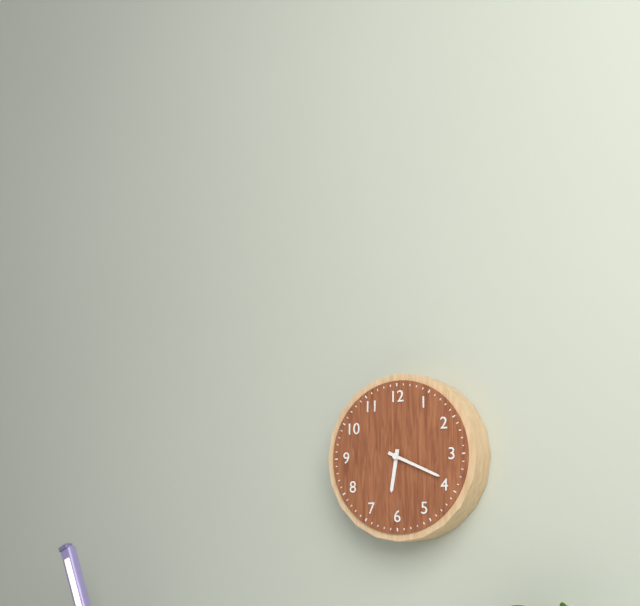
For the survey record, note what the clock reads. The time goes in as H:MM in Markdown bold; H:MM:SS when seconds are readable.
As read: **6:19**
